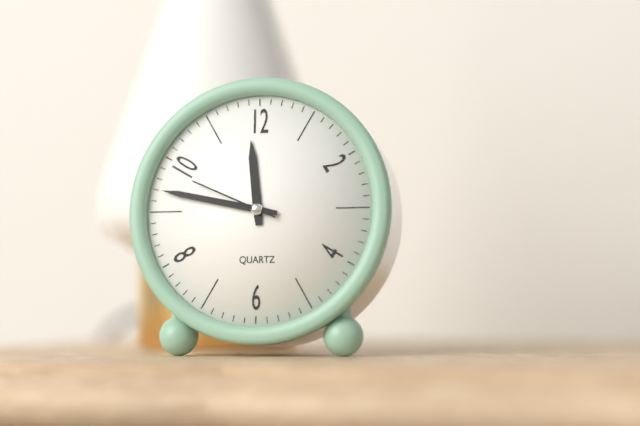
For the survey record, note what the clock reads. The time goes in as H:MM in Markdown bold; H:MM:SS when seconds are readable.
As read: **11:47:49**
